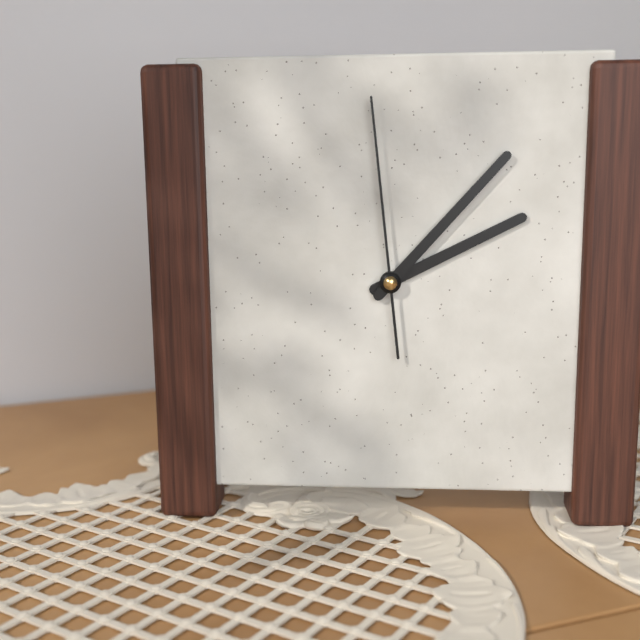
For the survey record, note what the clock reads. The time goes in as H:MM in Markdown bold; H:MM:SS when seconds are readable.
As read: **2:07:59**
